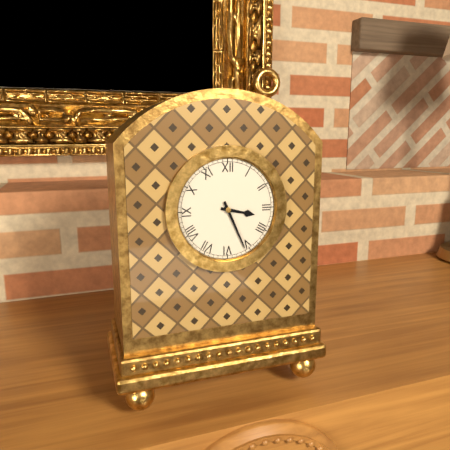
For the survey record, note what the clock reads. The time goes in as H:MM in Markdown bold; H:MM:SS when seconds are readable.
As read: **3:26**
